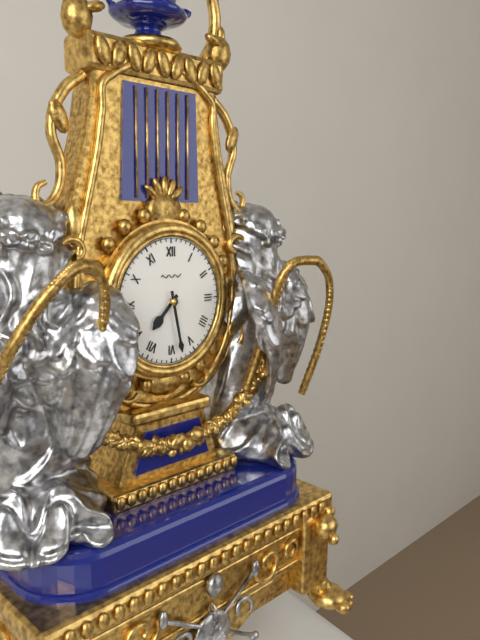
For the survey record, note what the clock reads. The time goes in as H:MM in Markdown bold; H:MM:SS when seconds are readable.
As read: **7:28**
